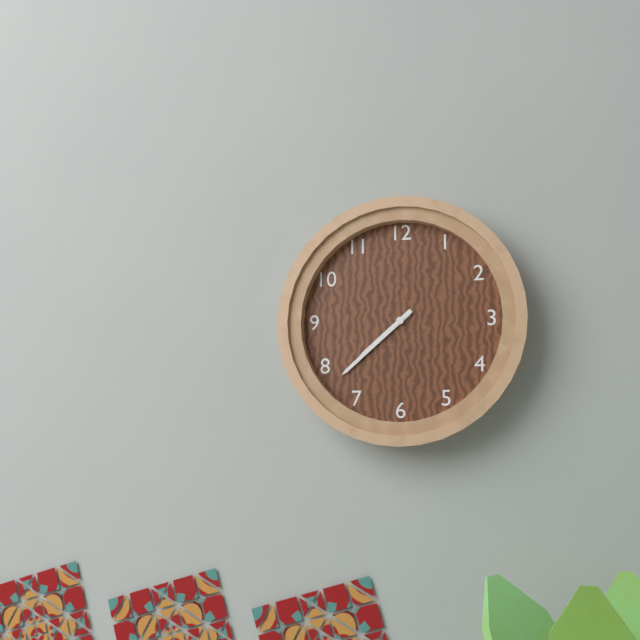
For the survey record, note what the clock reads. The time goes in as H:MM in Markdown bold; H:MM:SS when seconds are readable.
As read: **7:38**
